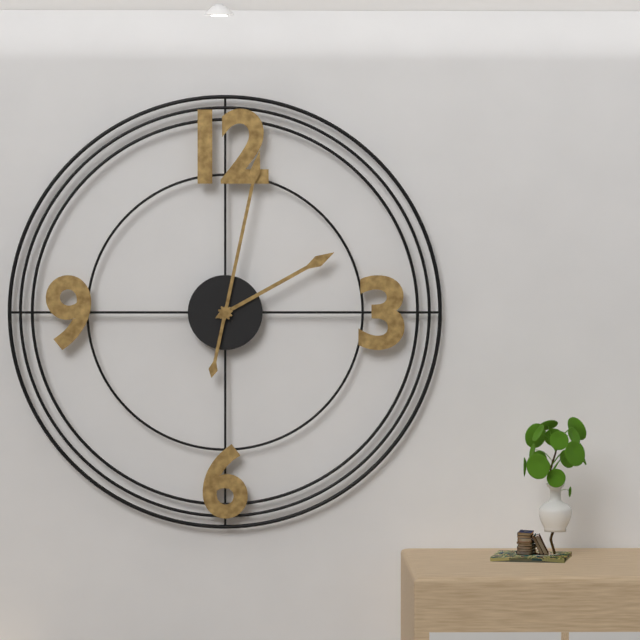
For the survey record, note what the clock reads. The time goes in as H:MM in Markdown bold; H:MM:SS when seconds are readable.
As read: **2:02**
